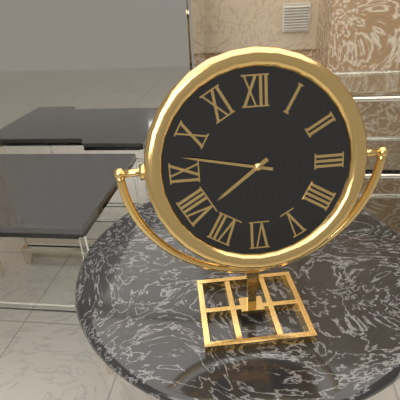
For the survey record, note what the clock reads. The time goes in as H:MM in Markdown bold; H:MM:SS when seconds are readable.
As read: **7:47**
